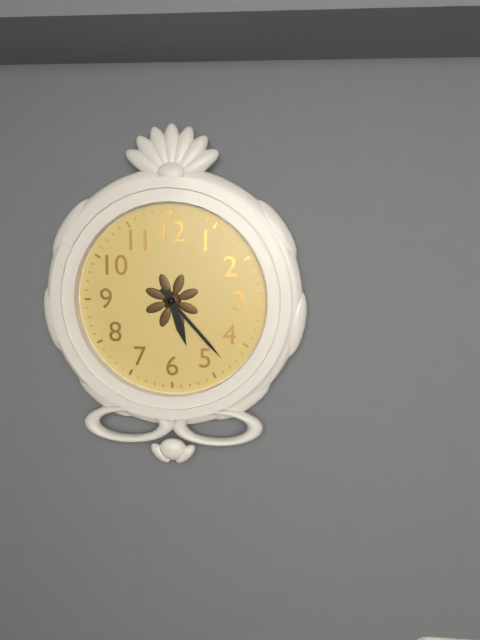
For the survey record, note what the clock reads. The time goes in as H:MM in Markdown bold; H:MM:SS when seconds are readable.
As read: **5:23**
